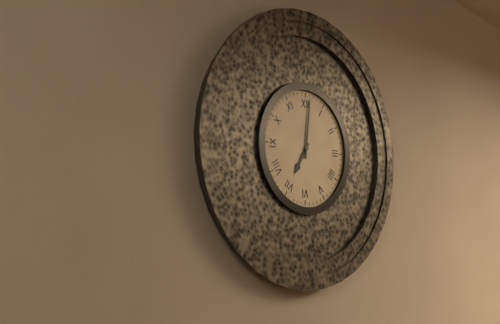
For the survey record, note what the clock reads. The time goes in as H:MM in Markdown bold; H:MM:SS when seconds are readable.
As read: **7:01**
